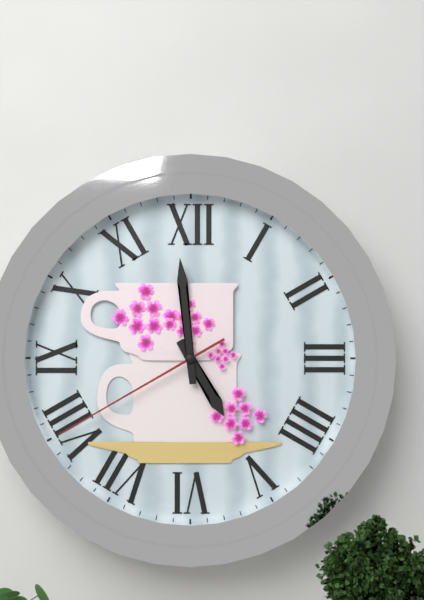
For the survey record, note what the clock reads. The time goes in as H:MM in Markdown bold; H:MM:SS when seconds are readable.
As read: **4:59:40**
